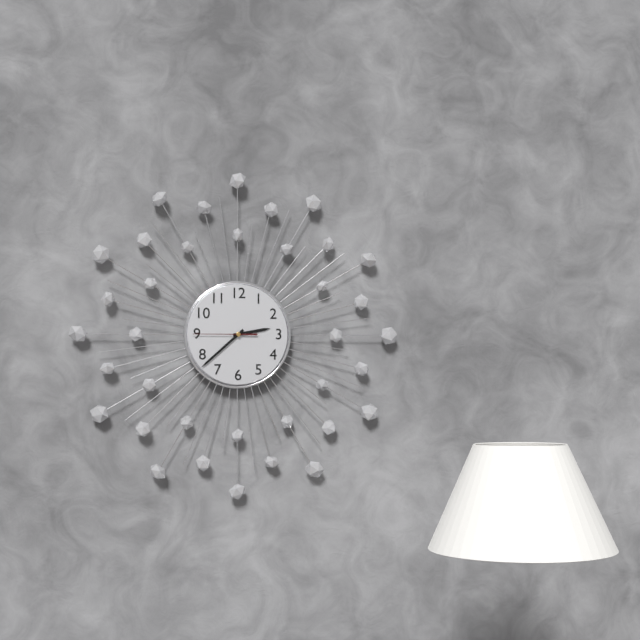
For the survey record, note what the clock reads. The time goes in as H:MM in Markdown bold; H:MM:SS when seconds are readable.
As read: **2:38:45**
